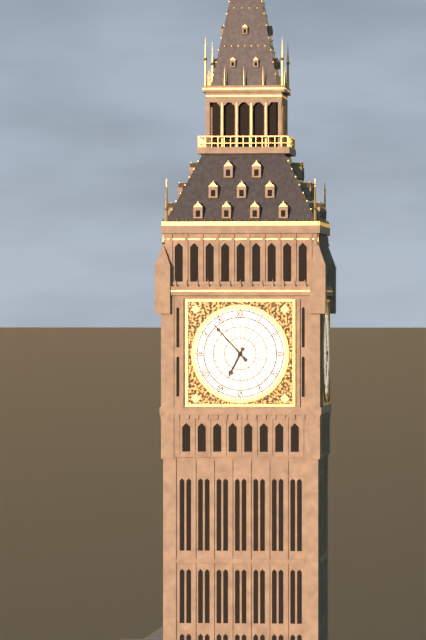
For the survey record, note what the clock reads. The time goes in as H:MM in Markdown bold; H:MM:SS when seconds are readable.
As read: **6:53**
